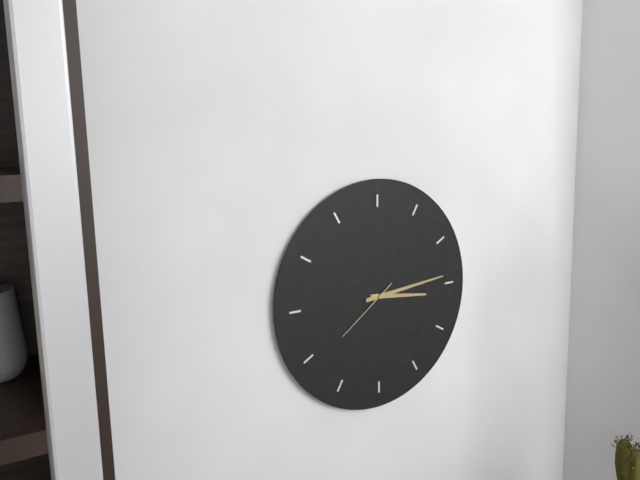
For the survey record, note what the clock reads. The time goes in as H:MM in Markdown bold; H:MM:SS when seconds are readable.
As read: **3:14:39**
